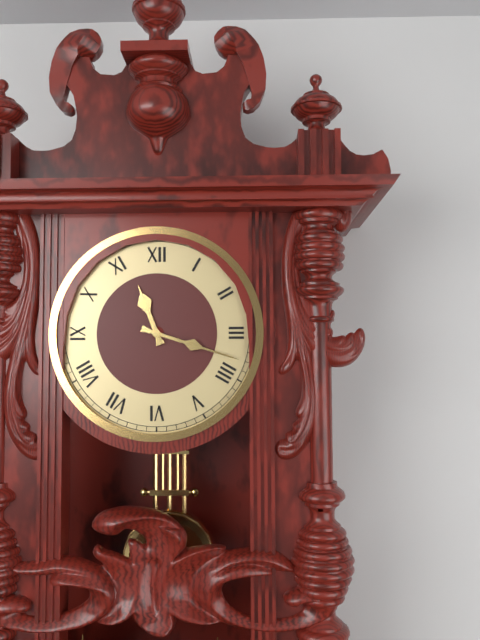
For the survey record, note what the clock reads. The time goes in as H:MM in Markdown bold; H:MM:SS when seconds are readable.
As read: **11:18**
